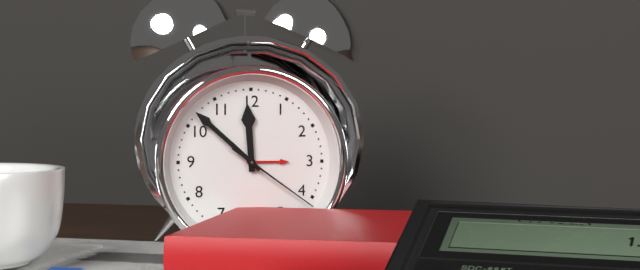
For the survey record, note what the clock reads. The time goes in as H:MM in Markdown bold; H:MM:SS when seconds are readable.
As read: **11:52:21**
